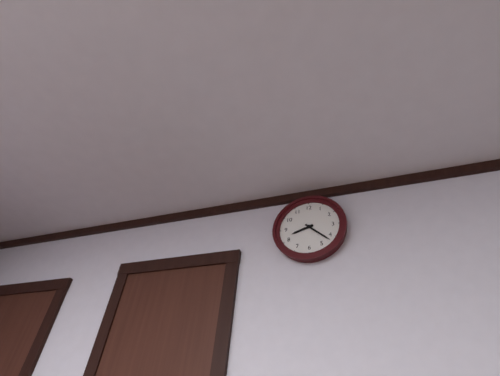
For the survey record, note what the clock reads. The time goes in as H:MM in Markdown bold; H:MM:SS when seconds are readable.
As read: **8:22**
